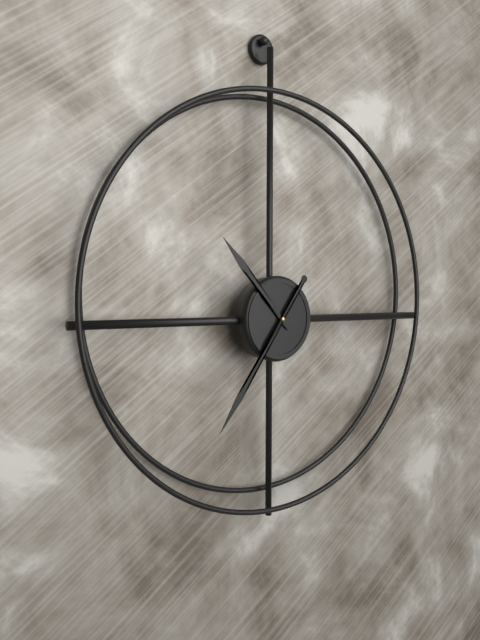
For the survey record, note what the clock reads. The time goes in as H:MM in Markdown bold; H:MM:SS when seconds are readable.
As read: **10:36**
